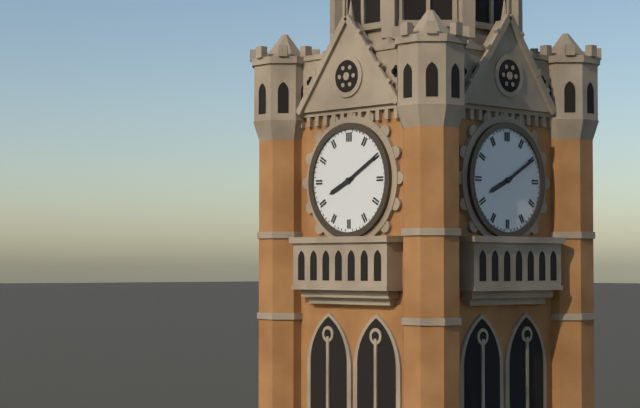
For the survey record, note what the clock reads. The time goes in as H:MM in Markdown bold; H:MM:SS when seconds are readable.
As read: **8:10**
